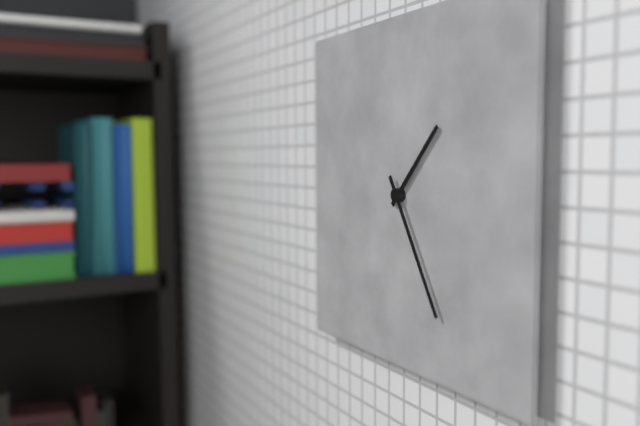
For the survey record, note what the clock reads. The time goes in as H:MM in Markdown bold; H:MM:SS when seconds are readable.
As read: **1:25**
